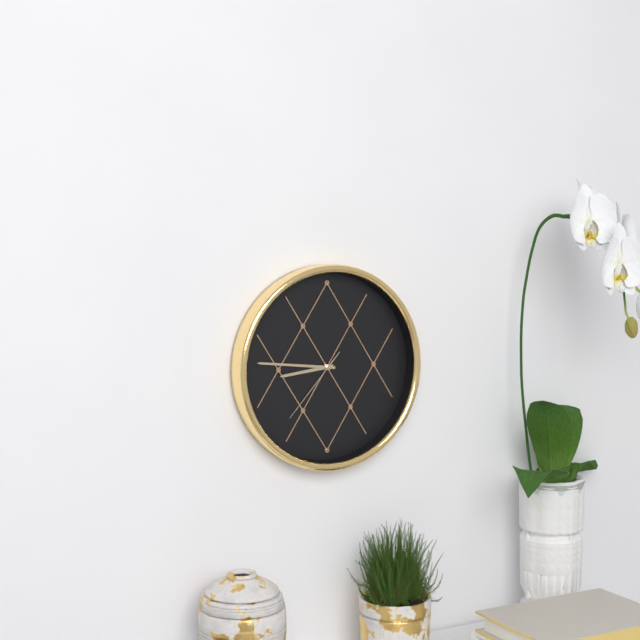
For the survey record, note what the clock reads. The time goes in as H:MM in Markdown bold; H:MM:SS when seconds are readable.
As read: **8:46:37**
